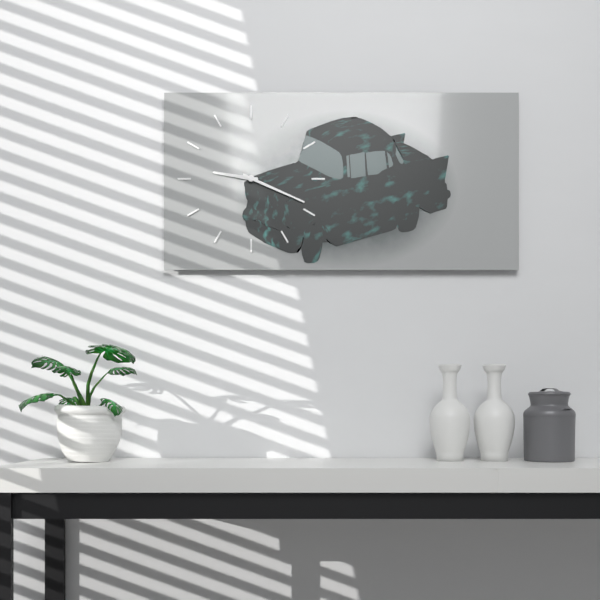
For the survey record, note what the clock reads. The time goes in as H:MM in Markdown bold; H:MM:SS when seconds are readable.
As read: **9:19**
